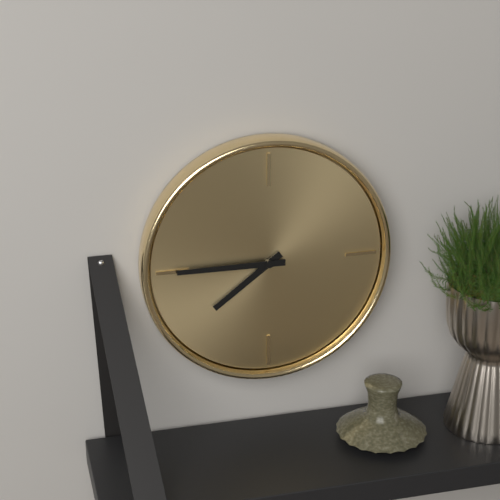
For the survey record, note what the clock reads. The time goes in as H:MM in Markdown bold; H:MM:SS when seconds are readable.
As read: **7:45**
